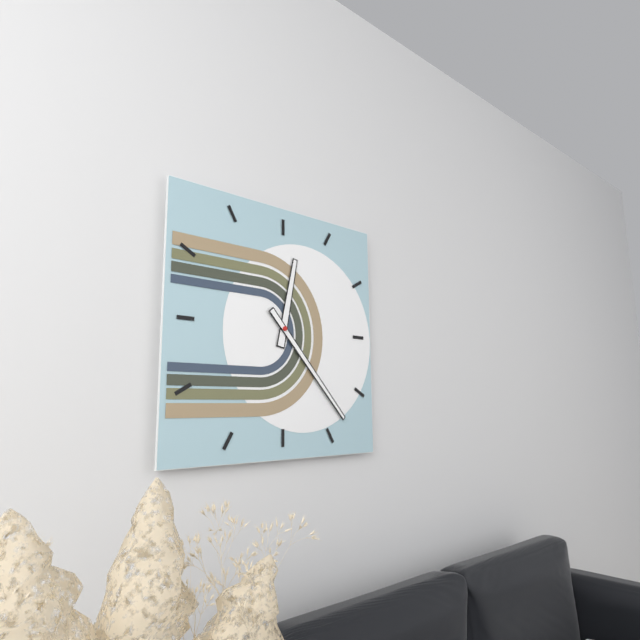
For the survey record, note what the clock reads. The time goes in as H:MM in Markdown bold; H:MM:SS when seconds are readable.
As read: **12:23**
